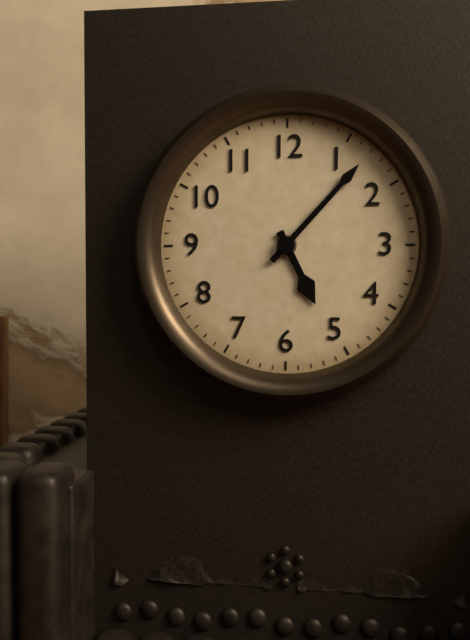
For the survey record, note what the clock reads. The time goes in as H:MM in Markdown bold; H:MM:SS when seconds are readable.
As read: **5:07**
